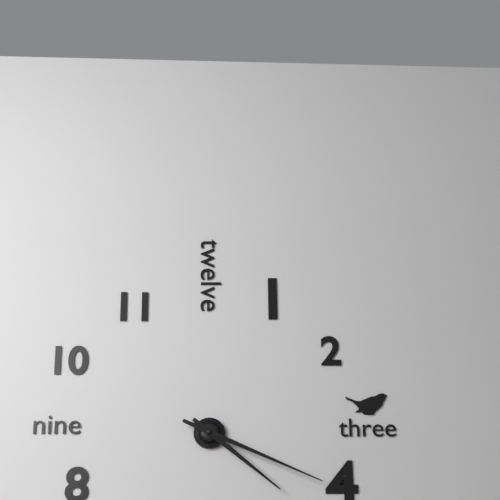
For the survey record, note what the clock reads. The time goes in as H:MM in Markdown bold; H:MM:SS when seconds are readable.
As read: **4:19**
